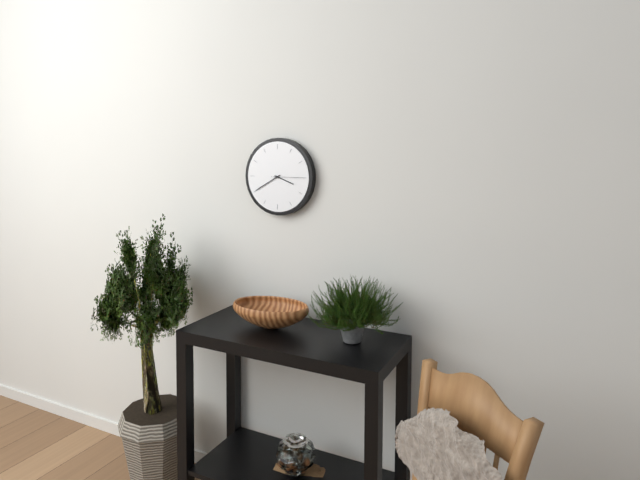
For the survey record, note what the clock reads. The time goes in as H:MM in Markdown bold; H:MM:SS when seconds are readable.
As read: **3:40**
